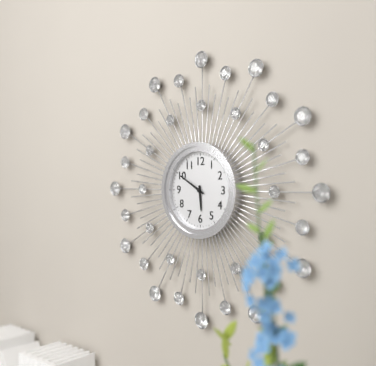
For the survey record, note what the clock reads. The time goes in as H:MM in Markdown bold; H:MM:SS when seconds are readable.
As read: **5:50**
